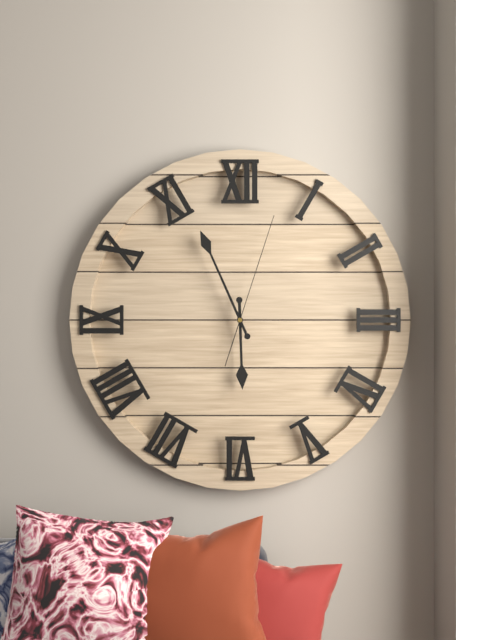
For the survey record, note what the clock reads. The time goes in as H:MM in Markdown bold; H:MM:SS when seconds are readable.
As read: **5:56:03**
